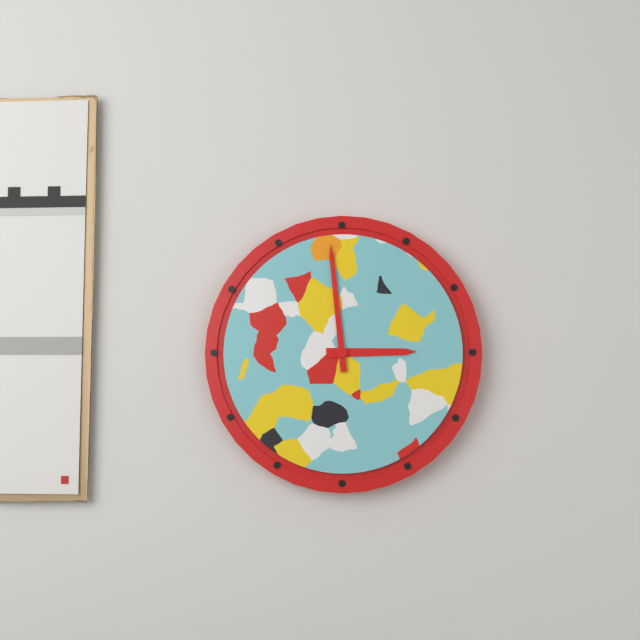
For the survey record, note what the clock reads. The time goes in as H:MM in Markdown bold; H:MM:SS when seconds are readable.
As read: **2:59**
